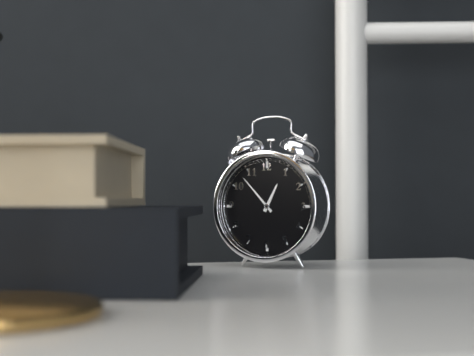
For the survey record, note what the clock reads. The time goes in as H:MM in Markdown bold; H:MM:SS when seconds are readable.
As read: **12:53**
